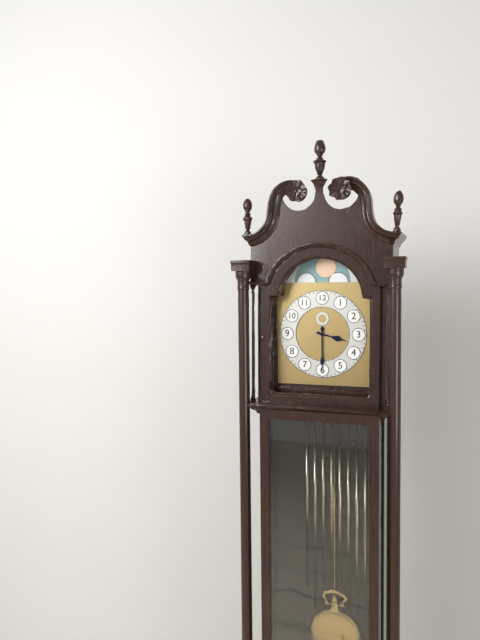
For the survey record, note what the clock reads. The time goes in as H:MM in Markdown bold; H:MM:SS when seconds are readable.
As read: **3:30**
